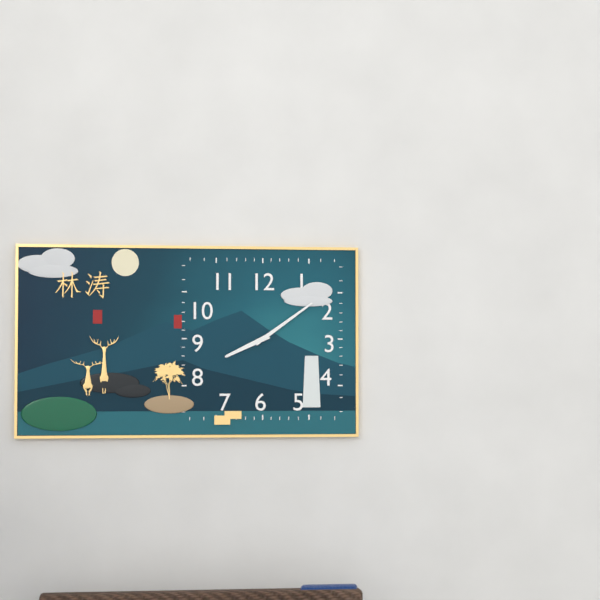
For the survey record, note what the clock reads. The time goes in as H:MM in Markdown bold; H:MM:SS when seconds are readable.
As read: **8:09**
